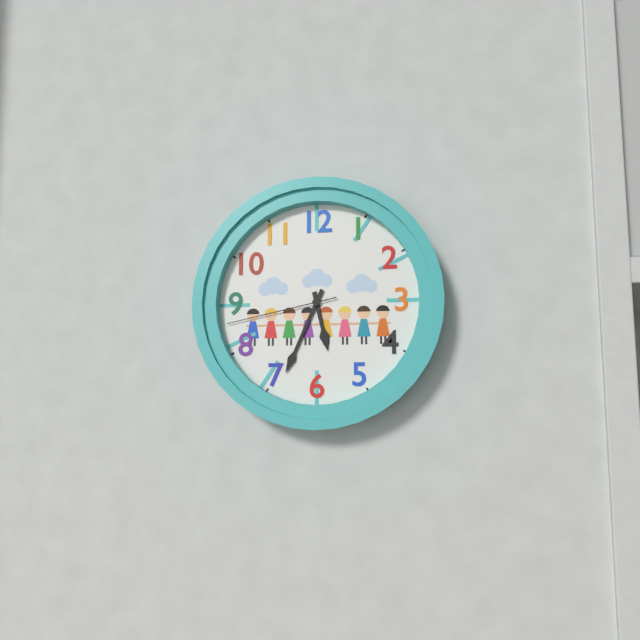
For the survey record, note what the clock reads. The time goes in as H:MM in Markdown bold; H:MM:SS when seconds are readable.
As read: **5:34:43**
